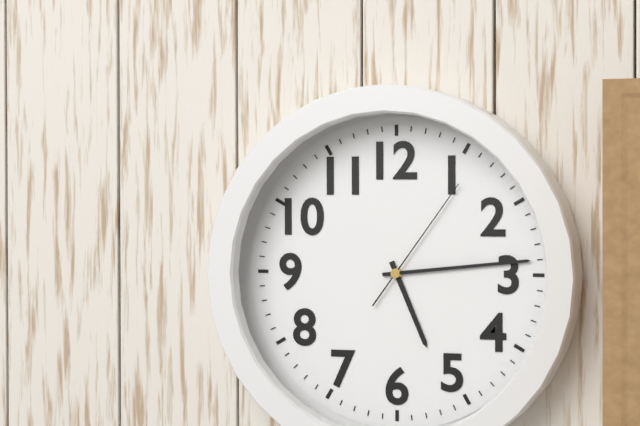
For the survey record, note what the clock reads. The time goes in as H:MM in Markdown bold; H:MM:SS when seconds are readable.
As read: **5:14:06**
